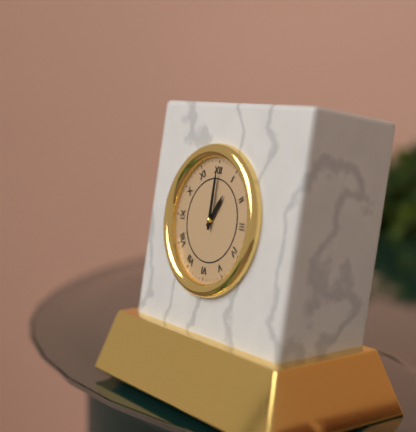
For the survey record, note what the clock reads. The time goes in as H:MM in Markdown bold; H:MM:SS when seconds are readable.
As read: **1:00**
